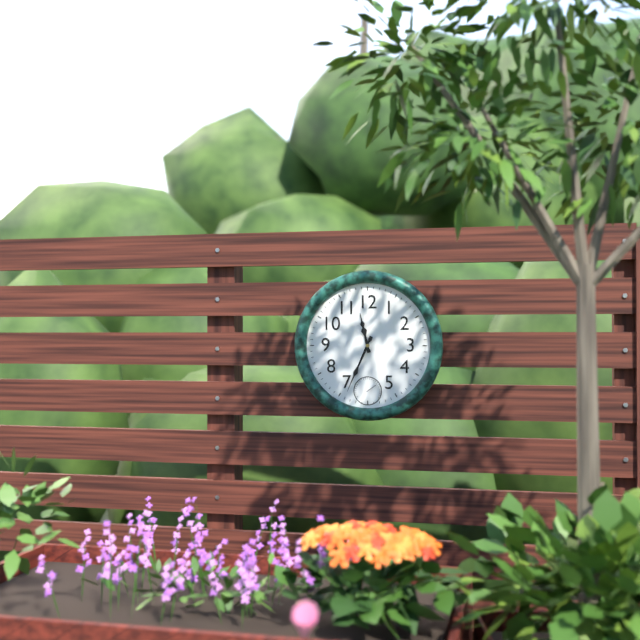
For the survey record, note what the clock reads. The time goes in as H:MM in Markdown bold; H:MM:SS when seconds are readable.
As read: **11:34**
